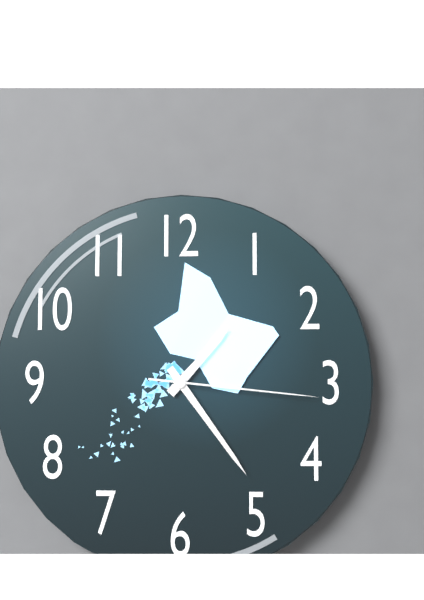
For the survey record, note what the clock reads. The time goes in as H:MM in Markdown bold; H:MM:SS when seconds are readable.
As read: **1:24:16**
